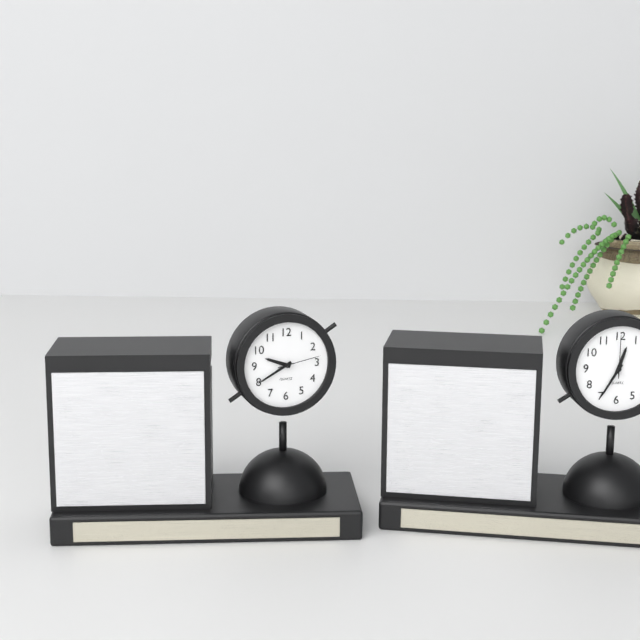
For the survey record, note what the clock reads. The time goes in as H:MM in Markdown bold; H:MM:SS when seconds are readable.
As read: **9:40**
